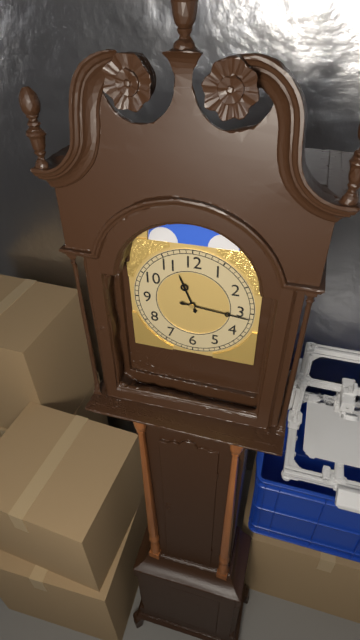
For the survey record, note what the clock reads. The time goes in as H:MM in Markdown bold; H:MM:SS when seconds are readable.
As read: **11:16**
